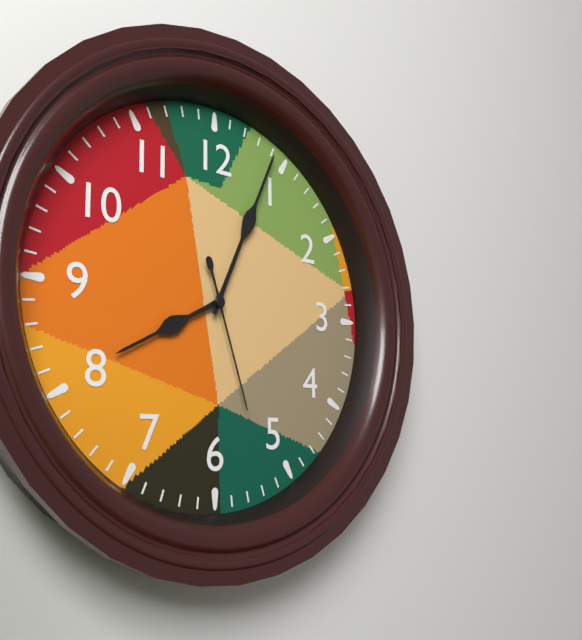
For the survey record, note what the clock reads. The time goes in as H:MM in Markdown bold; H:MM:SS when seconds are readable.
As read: **8:04:27**
